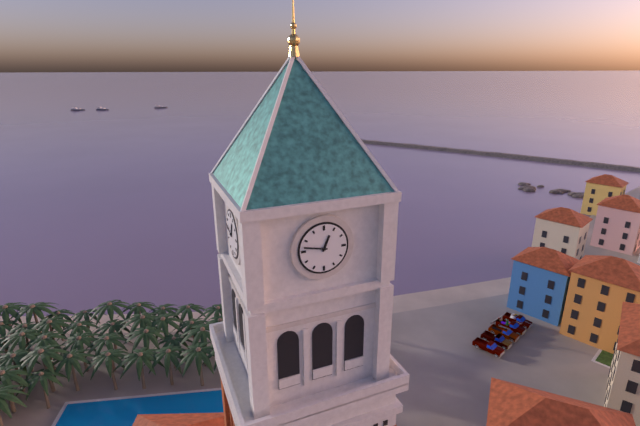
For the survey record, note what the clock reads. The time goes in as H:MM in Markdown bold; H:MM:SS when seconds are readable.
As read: **12:47**
